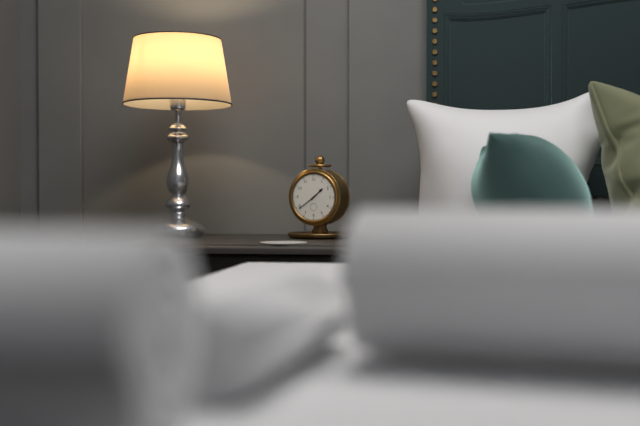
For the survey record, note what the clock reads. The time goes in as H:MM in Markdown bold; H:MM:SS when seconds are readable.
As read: **1:39**
